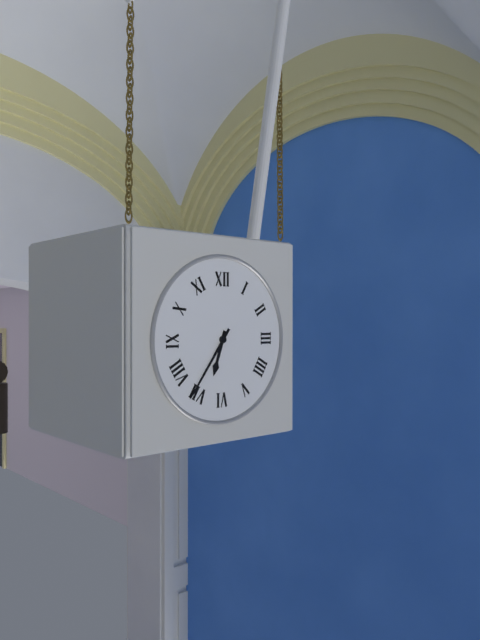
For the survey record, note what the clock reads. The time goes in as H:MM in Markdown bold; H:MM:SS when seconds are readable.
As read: **6:36**
